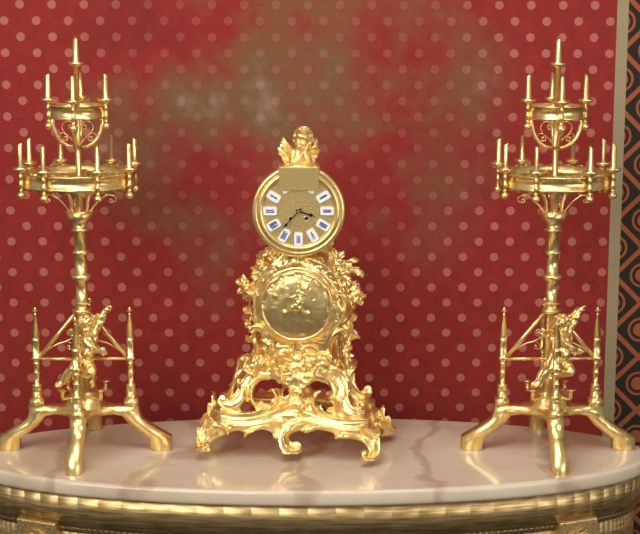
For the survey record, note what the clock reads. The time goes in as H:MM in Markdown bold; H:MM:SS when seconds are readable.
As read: **3:37**
